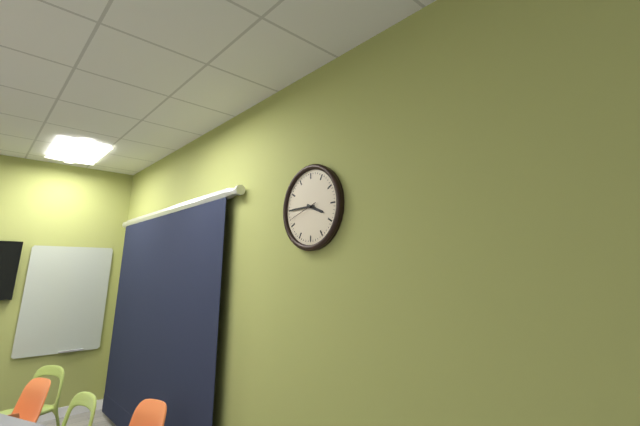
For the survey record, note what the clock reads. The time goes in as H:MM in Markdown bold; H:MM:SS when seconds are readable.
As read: **3:45**
